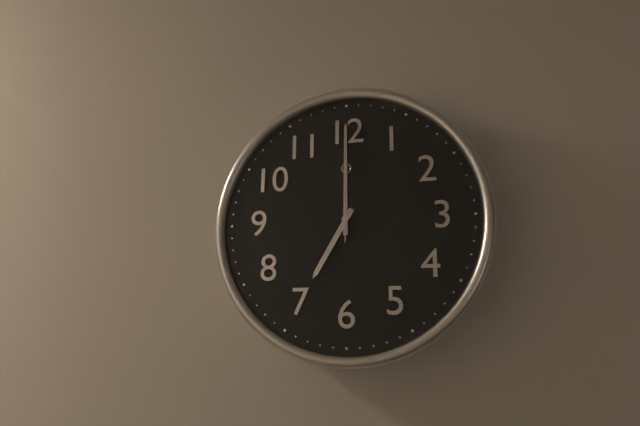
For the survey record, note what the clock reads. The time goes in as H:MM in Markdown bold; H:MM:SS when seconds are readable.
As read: **7:00:00**
